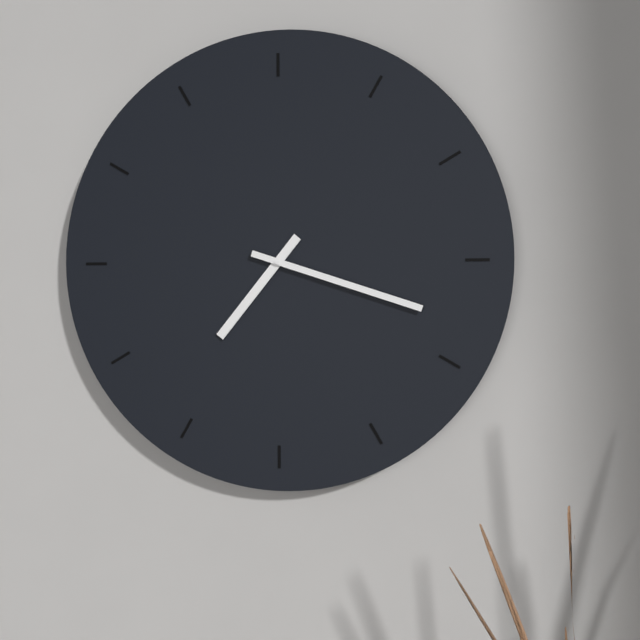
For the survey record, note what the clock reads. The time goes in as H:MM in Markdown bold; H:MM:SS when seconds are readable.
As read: **7:18**
